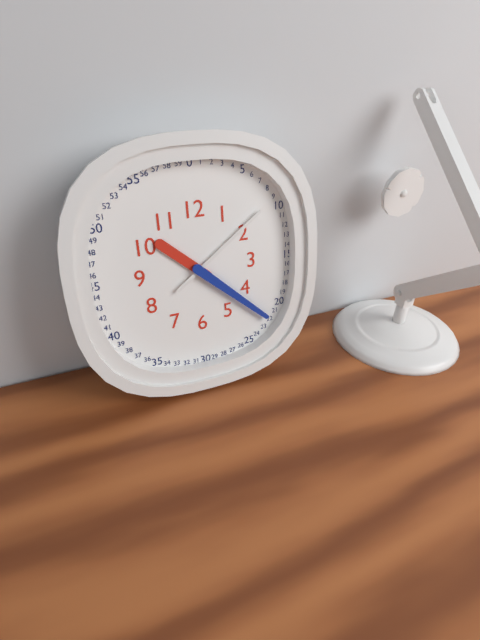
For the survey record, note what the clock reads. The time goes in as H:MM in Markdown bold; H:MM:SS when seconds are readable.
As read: **10:22:09**
